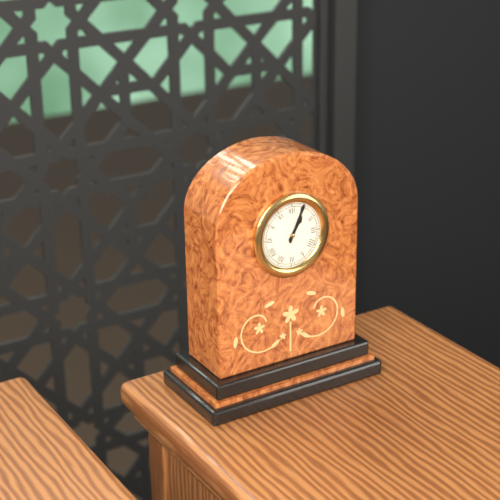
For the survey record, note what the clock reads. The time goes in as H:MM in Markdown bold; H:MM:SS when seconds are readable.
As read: **1:04**
